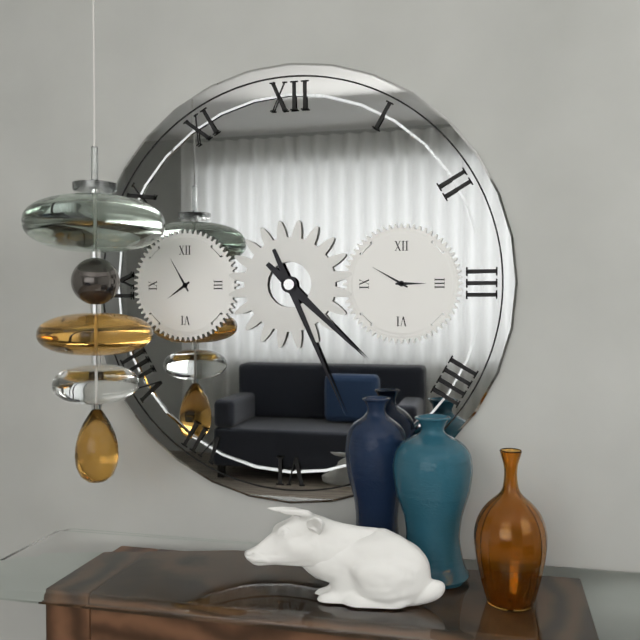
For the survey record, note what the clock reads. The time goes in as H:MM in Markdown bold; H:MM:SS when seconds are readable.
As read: **4:26**
